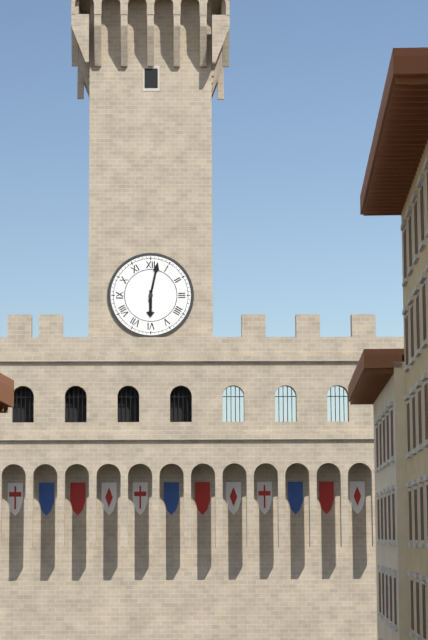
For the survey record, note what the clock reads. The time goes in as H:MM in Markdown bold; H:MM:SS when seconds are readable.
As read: **6:02**
